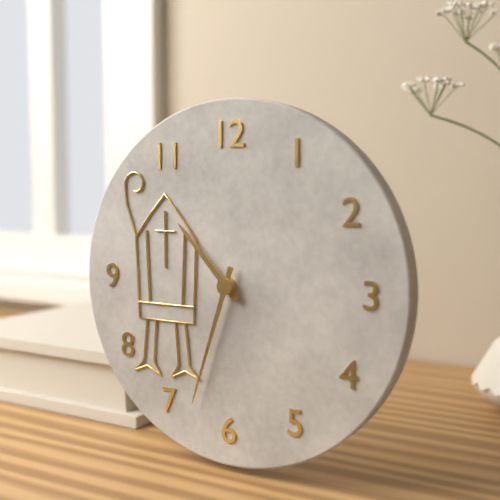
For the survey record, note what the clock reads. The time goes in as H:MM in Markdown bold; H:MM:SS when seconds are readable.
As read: **10:33**
